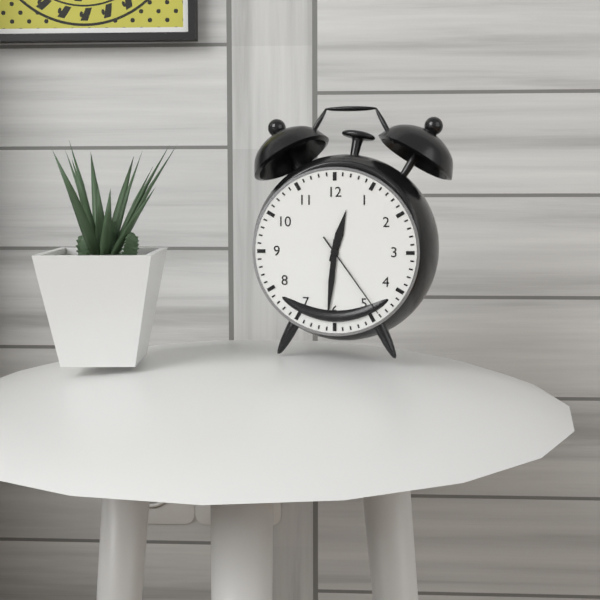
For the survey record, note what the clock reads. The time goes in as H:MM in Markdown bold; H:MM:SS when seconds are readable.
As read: **12:31:24**
